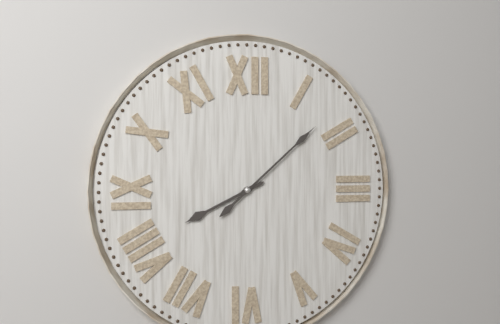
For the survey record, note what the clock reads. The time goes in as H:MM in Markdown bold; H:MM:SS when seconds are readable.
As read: **8:08**
